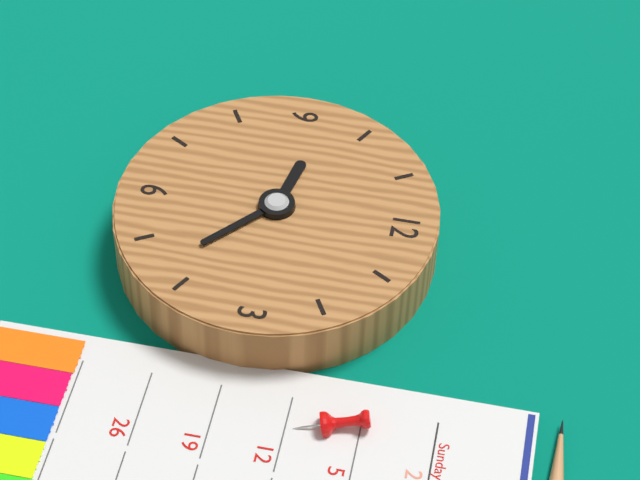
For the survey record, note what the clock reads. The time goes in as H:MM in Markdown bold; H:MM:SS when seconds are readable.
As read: **9:22**
